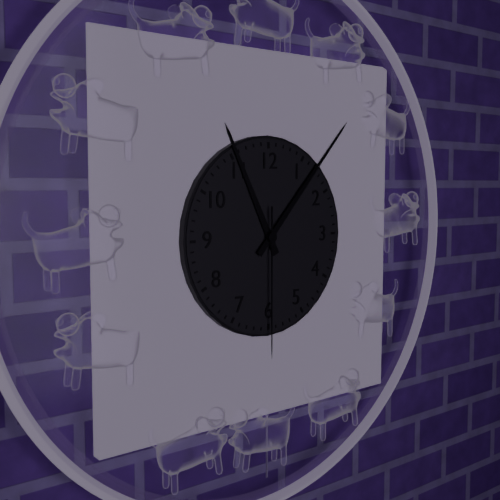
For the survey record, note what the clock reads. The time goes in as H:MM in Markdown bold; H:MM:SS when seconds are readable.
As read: **11:07:30**
